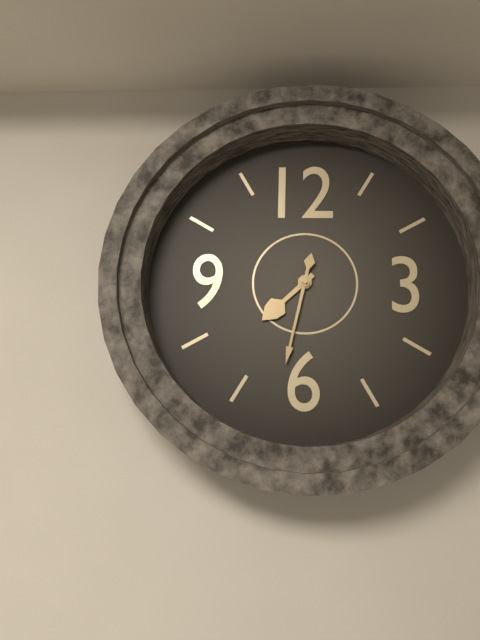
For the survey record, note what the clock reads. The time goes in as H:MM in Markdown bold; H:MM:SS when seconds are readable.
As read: **7:32**
